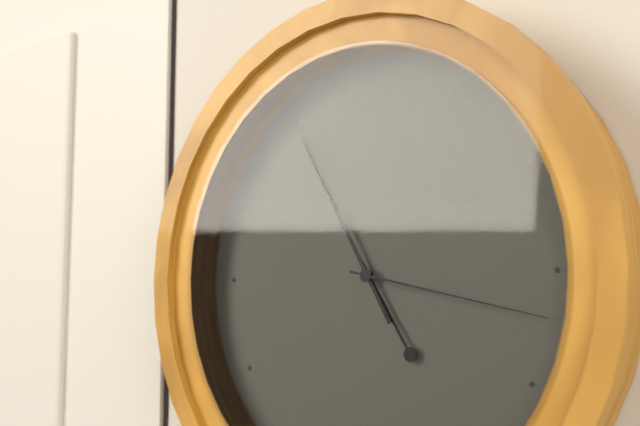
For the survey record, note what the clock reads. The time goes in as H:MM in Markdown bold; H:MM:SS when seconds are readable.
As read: **4:55:17**
